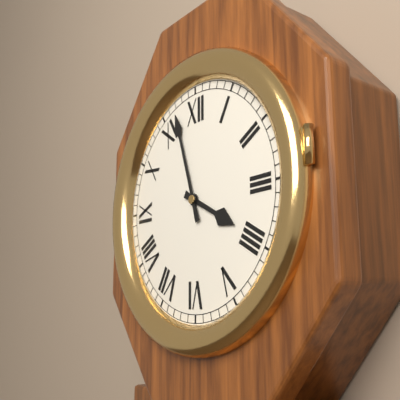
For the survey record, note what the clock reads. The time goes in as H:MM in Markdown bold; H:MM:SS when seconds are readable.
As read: **3:57**
